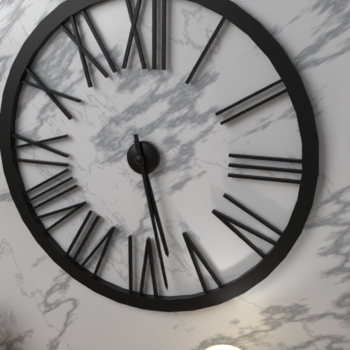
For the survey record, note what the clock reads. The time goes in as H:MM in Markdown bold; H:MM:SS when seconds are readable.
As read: **5:28**
